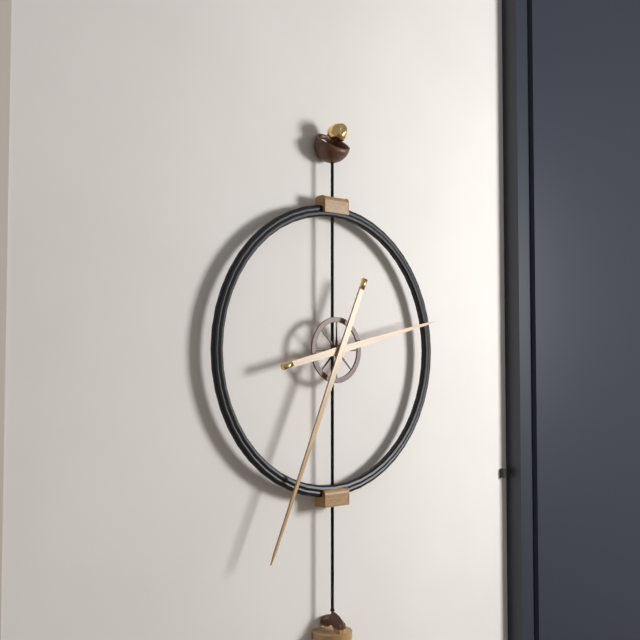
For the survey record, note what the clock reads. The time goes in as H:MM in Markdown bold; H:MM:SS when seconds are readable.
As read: **2:34**
